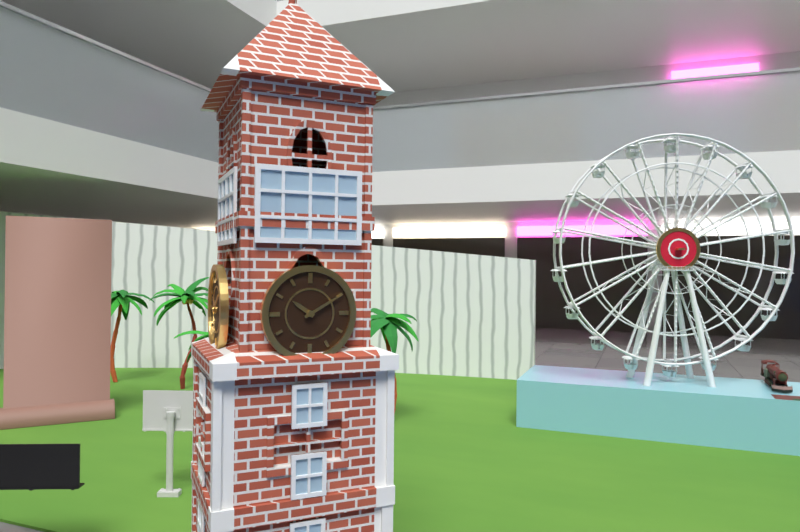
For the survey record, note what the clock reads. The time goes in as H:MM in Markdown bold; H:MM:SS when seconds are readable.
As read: **10:10**
